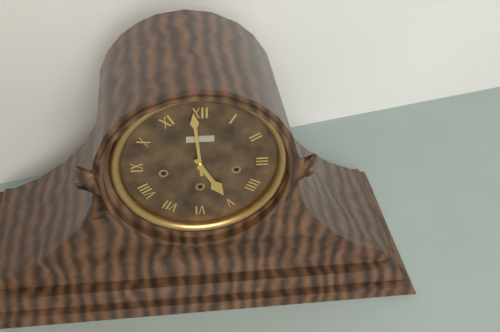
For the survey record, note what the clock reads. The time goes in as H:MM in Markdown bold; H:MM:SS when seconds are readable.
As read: **4:59**
